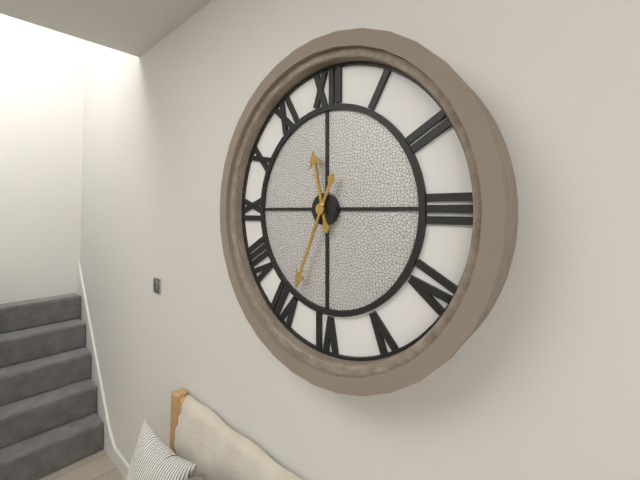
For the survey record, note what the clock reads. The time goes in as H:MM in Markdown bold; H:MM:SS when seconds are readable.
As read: **11:34**
